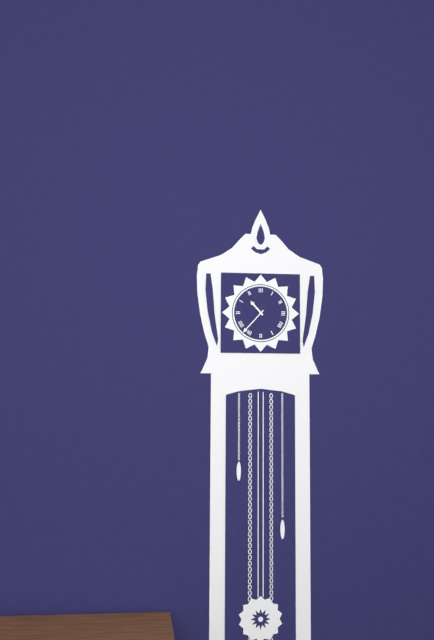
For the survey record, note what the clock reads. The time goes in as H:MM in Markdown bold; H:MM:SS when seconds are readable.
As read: **10:37**
